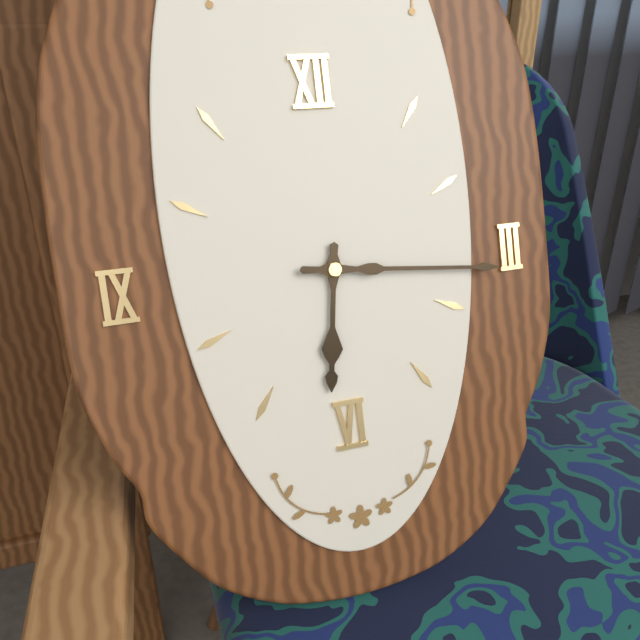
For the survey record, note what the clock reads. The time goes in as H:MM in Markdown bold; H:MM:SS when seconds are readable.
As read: **6:16**
